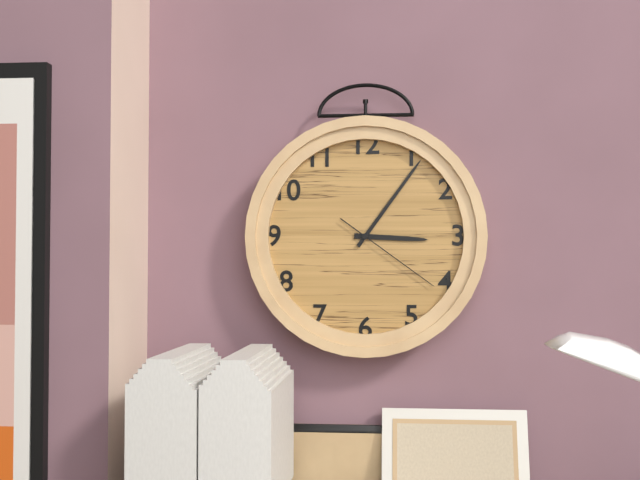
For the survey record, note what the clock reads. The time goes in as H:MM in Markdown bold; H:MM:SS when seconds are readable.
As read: **3:06:21**
